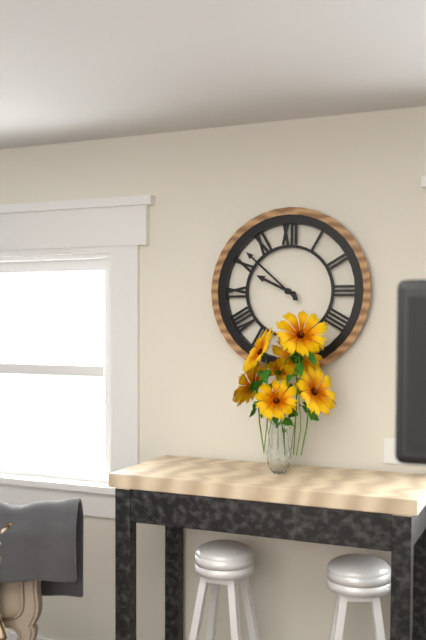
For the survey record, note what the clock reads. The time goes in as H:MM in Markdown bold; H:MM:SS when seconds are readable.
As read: **9:52**
